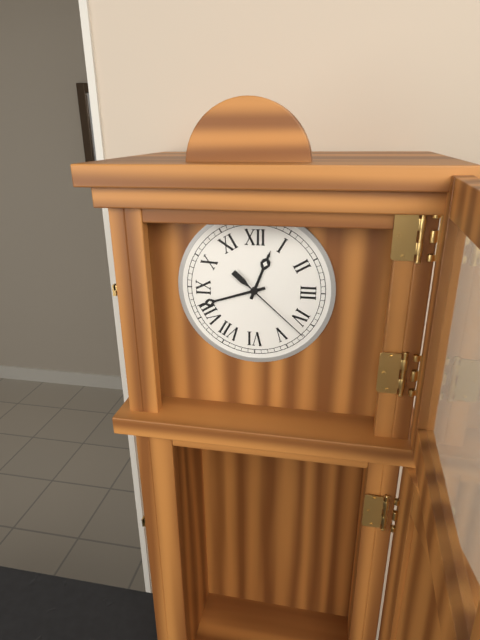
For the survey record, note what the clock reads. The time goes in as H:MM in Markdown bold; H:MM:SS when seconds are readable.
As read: **12:42:22**
